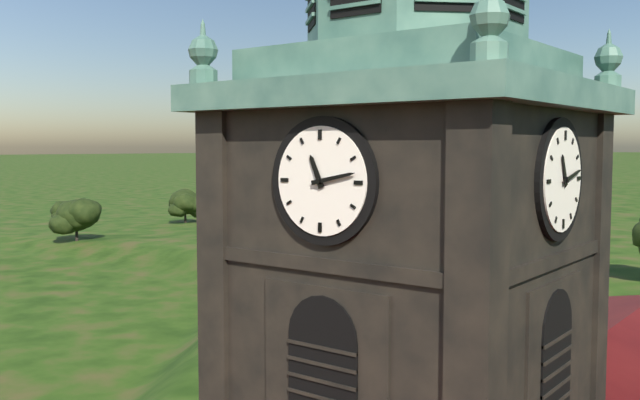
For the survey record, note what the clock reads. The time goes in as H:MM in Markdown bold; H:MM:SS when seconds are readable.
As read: **11:13**
